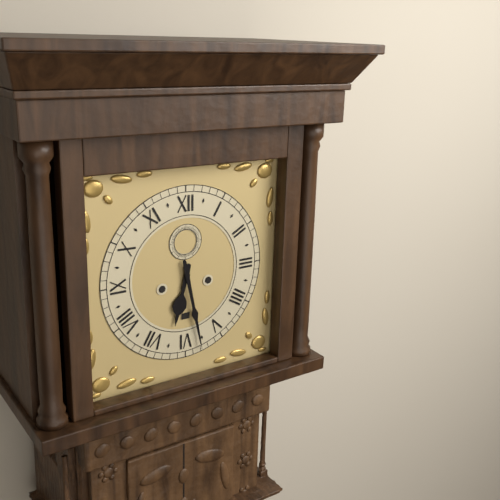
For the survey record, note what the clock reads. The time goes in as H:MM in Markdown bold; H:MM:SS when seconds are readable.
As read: **6:28**
